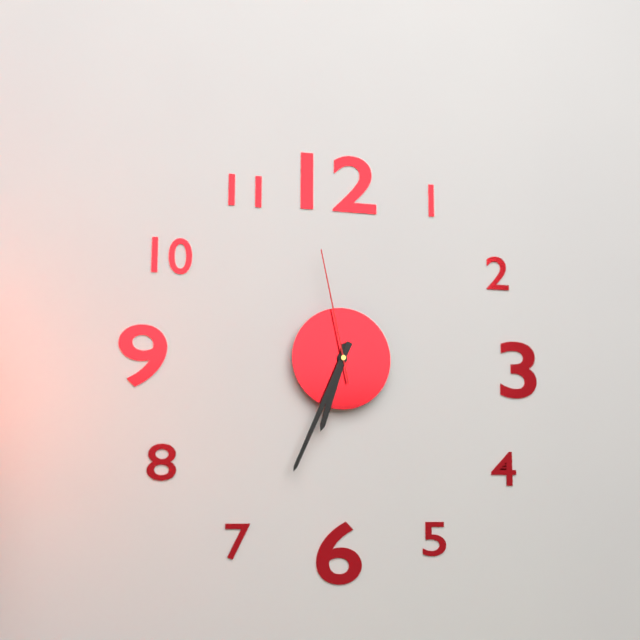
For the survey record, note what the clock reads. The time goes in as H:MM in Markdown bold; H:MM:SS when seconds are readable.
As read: **6:34:58**
